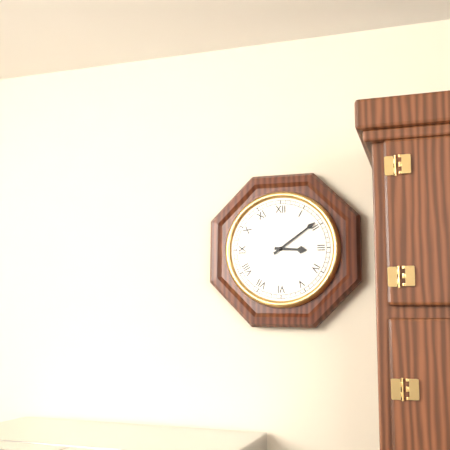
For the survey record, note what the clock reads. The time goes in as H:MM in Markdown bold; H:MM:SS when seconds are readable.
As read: **3:09**
